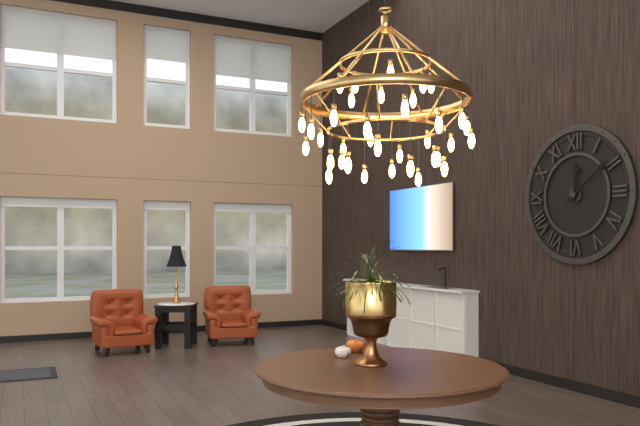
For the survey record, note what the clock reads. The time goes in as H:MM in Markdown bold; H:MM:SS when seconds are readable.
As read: **12:09**
